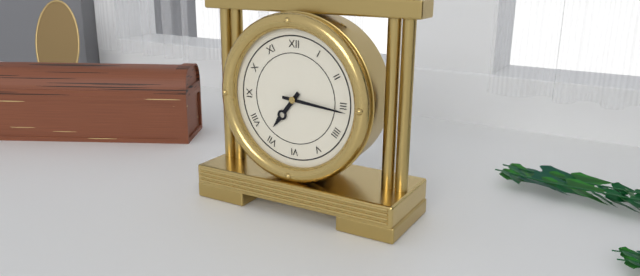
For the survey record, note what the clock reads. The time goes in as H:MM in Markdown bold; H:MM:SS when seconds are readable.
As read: **7:16**
